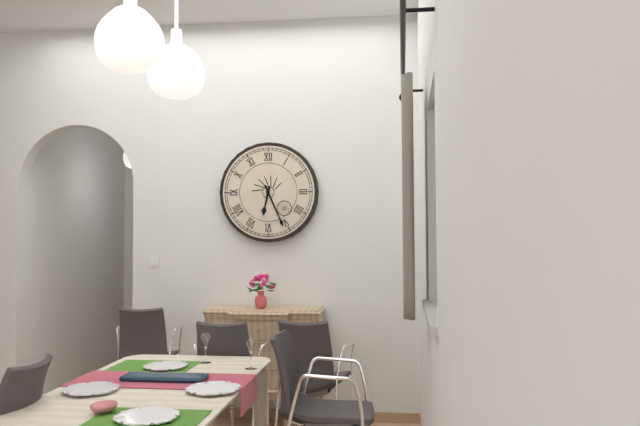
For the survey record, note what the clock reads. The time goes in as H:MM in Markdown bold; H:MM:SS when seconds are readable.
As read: **6:26**
